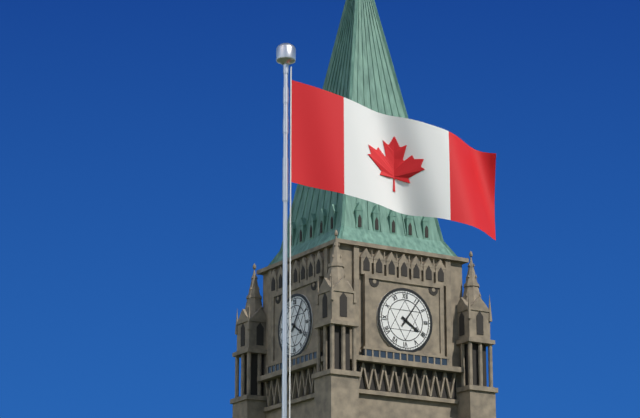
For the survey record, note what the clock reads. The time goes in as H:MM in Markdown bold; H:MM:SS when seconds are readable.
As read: **4:06**
